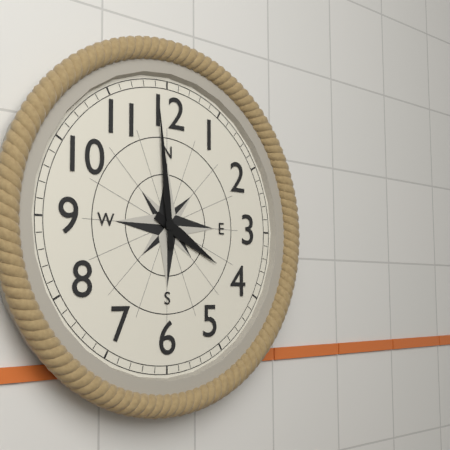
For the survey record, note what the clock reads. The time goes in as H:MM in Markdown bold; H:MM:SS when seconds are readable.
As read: **3:59**
